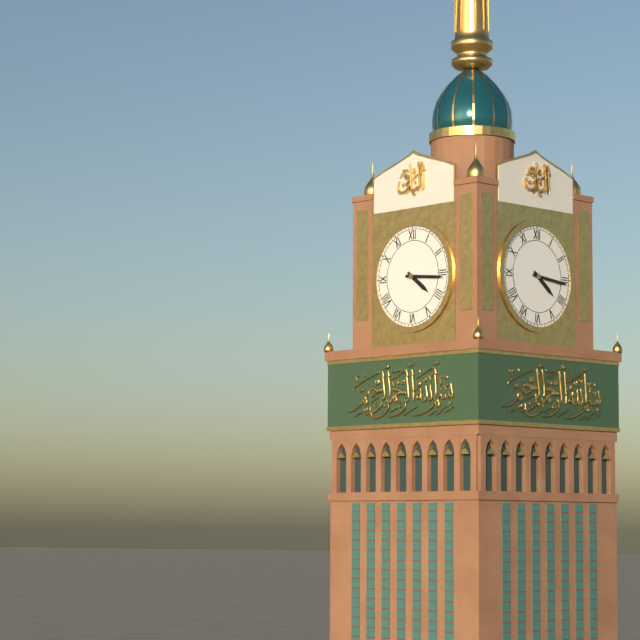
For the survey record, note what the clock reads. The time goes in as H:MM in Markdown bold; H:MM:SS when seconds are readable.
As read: **4:16**
